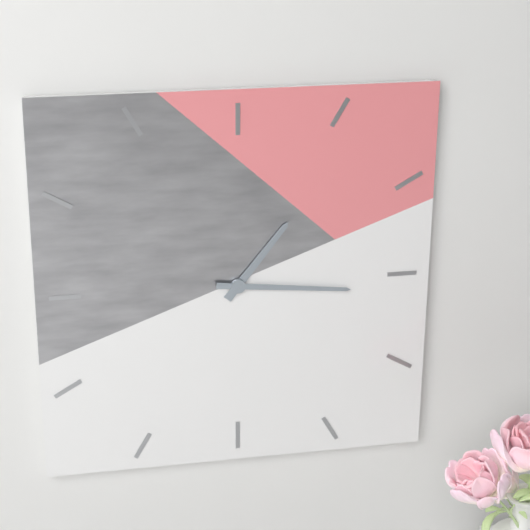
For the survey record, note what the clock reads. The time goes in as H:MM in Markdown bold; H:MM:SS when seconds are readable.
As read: **1:16**
